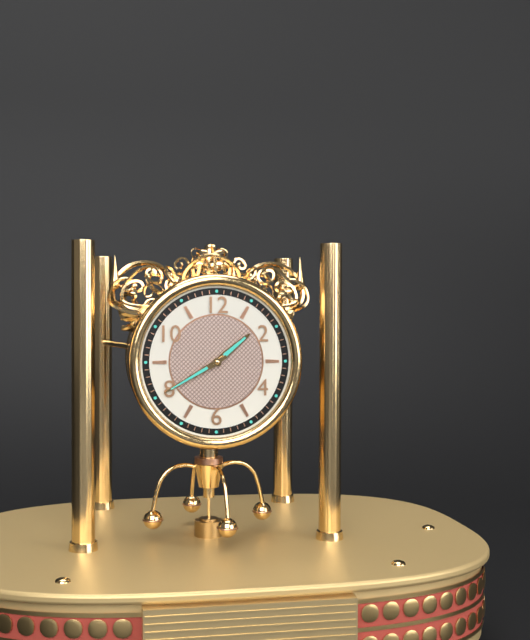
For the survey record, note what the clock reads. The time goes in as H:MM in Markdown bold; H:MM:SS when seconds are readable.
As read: **1:40**
